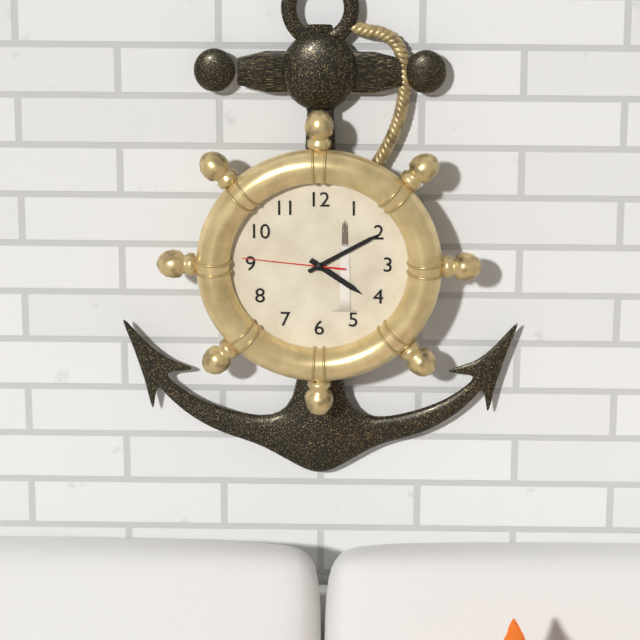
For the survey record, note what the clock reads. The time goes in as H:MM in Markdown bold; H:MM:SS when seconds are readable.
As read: **4:10:46**
